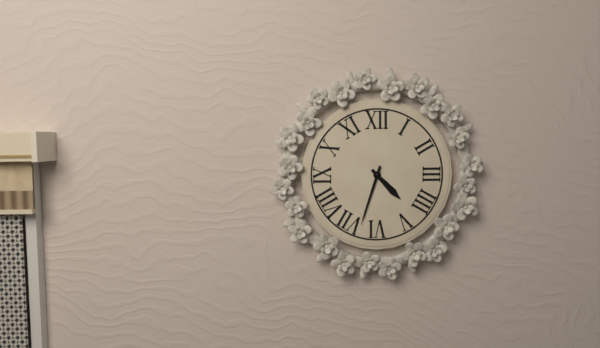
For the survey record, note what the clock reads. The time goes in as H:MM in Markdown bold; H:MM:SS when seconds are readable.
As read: **4:33**
